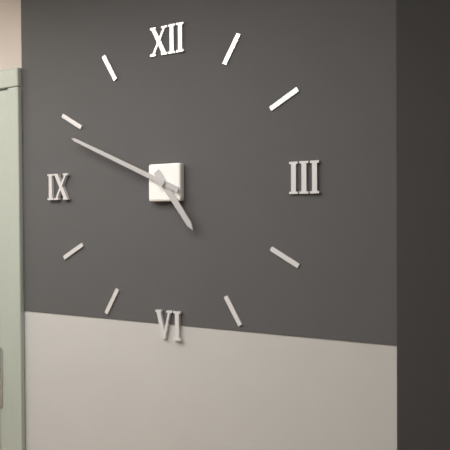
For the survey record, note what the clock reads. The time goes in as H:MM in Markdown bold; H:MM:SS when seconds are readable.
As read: **4:49**
